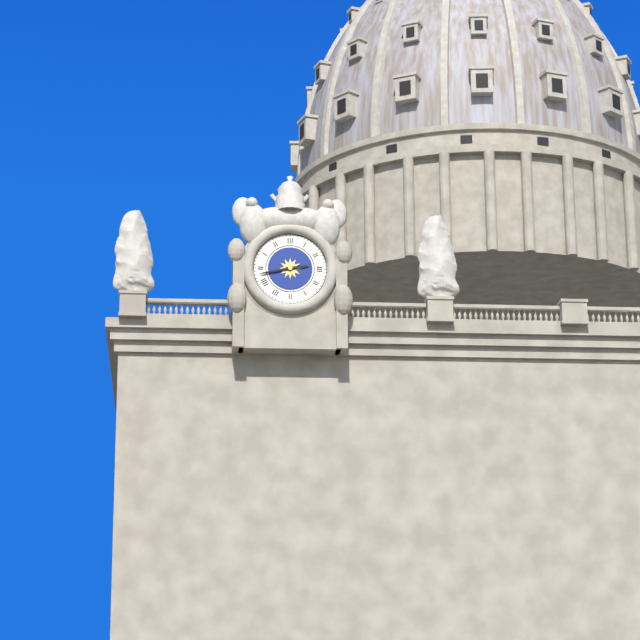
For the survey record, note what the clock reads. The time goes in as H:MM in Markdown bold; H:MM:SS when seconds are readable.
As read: **2:43**
